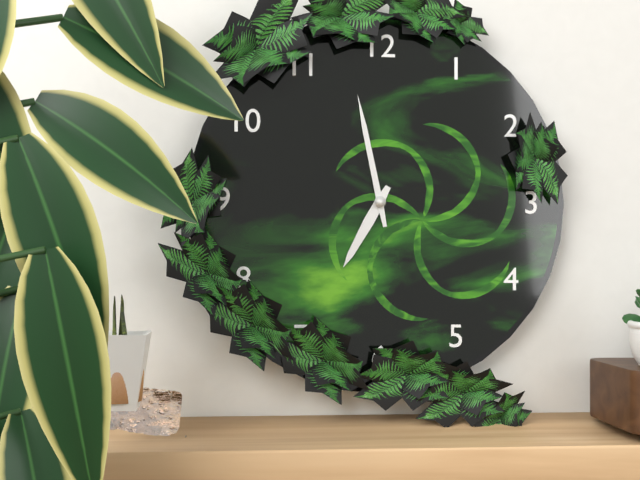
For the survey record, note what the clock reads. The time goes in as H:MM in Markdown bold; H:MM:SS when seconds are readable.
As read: **6:58**
